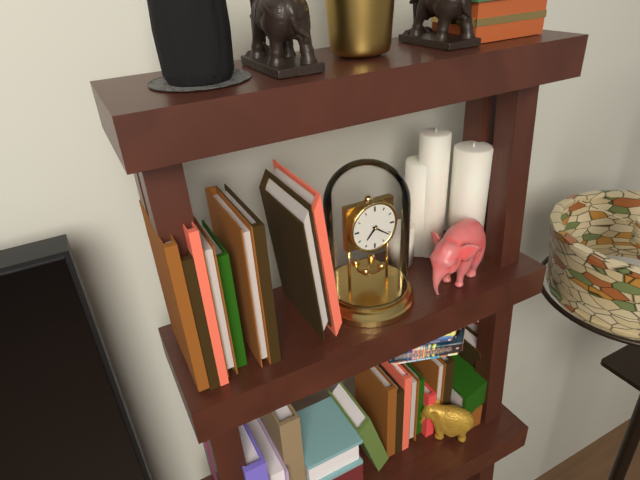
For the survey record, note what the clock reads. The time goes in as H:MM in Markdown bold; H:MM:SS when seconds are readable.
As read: **7:21**
